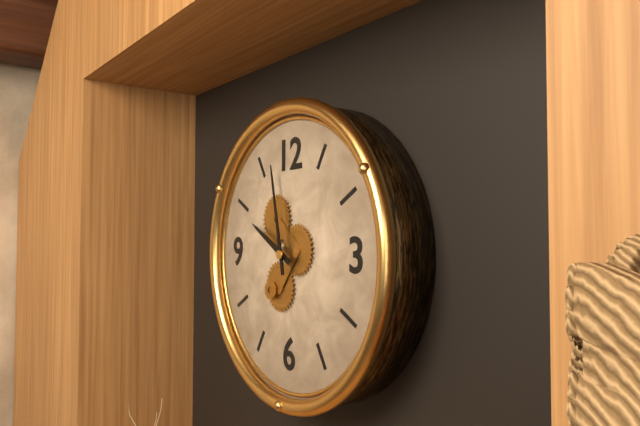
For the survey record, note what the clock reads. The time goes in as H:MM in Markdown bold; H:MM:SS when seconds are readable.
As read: **9:58**
